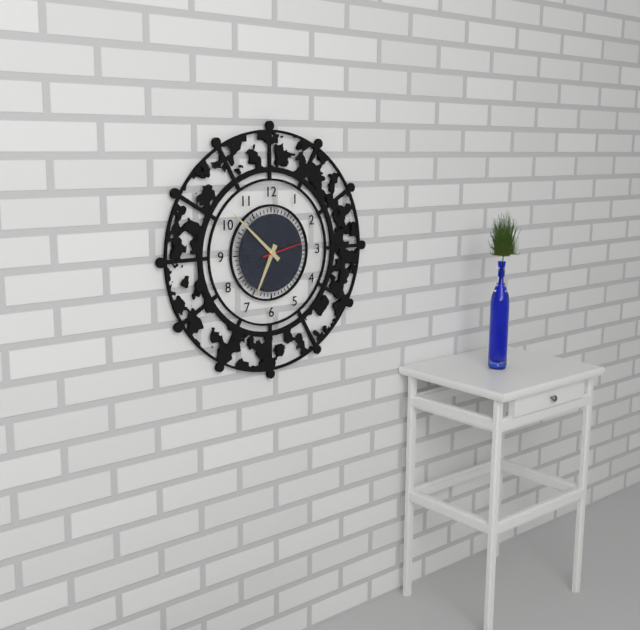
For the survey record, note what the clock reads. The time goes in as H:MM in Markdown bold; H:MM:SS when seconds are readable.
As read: **6:52**
